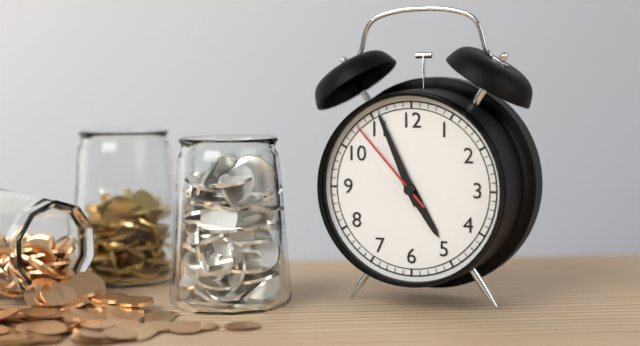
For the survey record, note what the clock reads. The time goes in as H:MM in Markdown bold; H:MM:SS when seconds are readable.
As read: **4:56:53**
